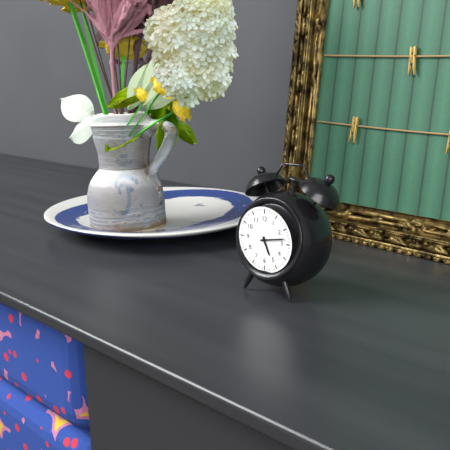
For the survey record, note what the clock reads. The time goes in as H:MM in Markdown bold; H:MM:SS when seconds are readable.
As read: **5:13**
